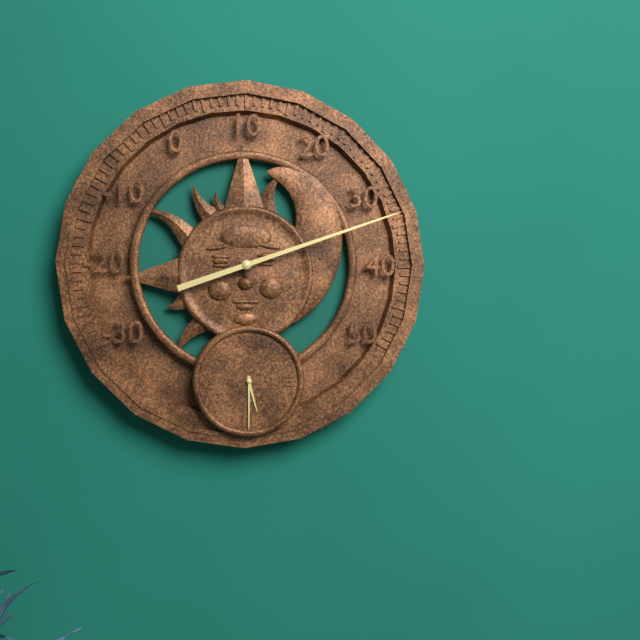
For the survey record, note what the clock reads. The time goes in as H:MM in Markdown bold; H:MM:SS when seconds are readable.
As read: **5:30**
